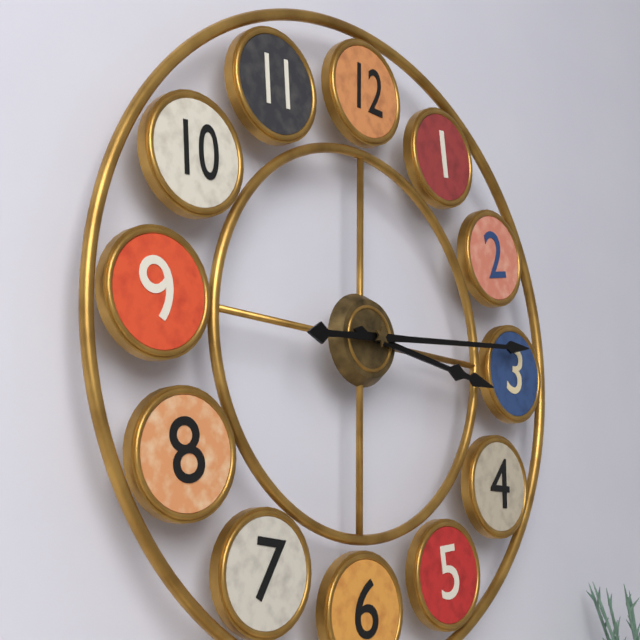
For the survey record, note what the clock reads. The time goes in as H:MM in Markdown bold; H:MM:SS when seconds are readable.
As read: **3:14**
